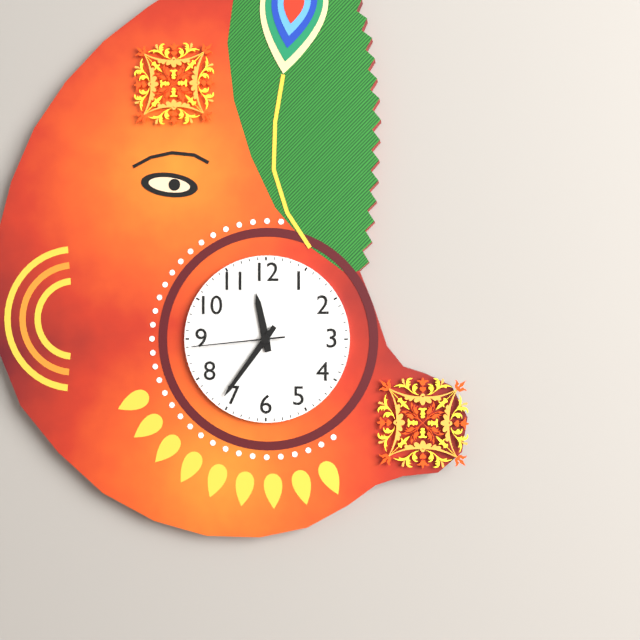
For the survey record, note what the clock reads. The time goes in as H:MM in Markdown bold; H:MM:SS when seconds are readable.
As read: **11:36:44**
